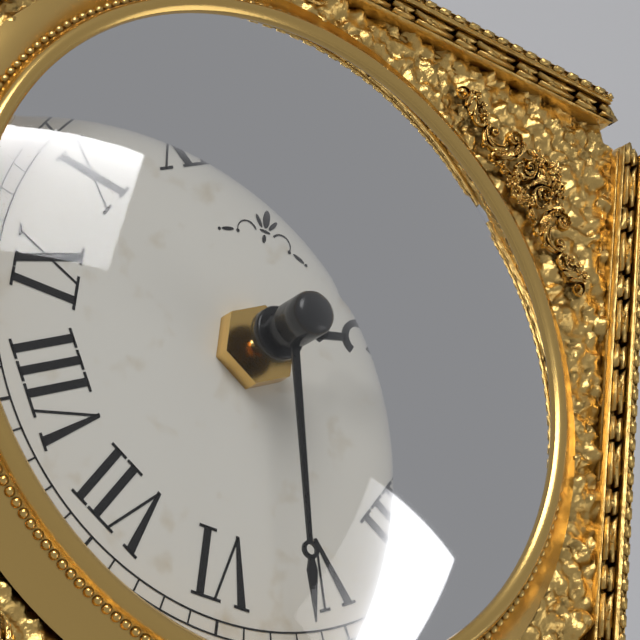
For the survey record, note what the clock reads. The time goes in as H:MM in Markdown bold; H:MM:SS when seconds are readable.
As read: **2:28**
